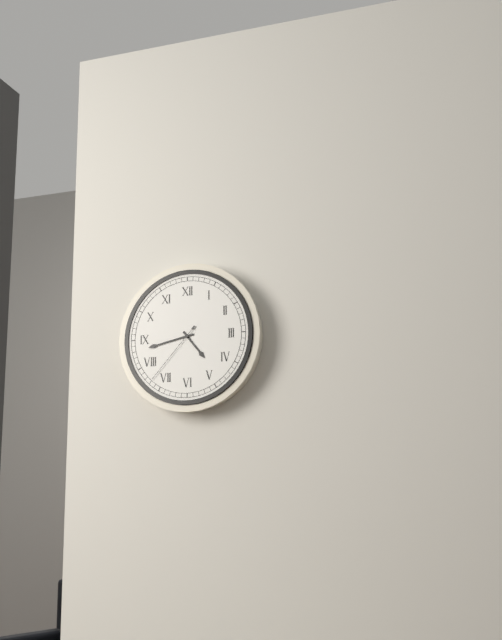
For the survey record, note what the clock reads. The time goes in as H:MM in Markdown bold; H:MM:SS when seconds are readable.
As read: **4:43:37**
